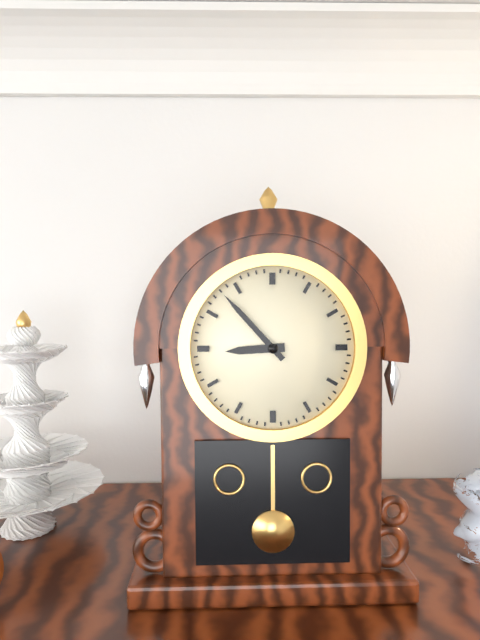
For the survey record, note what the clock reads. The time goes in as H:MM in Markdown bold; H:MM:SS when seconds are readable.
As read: **8:53**
